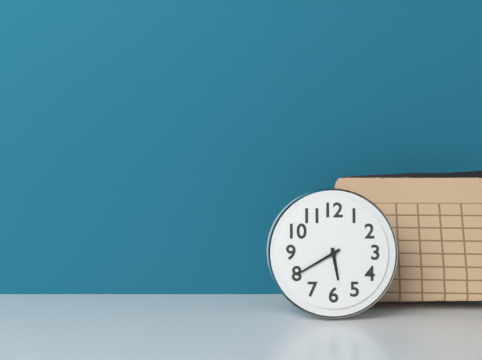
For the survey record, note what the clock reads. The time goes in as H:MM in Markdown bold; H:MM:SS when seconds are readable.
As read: **5:40**
